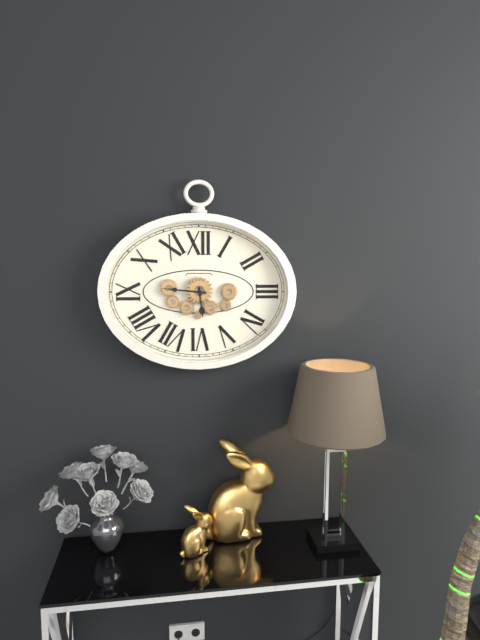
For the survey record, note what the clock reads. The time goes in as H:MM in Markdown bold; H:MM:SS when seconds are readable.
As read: **5:46**
